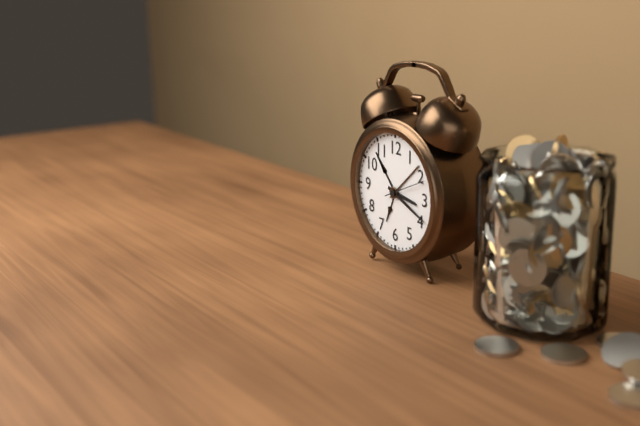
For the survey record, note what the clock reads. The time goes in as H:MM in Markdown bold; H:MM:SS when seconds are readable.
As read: **3:19**
